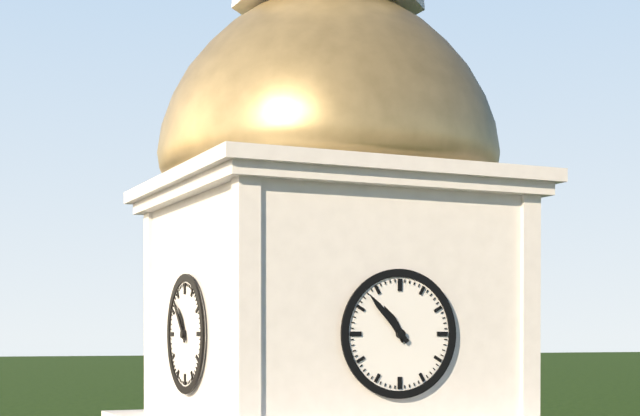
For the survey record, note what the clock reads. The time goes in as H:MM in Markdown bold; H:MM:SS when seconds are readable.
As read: **10:53**
